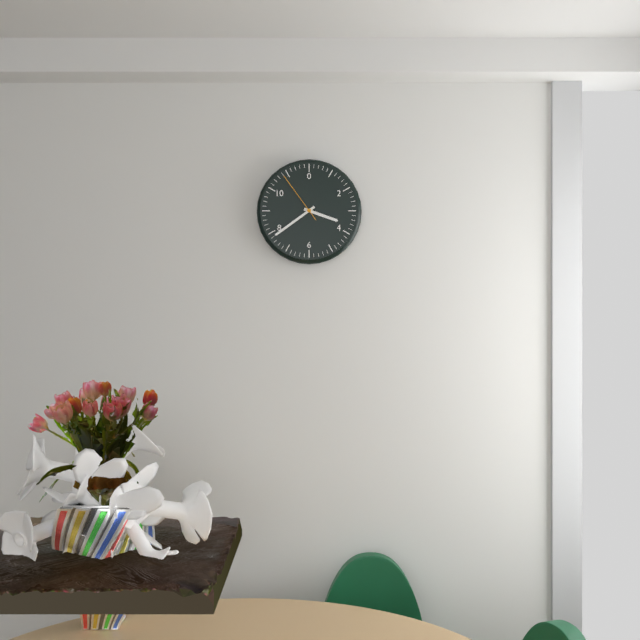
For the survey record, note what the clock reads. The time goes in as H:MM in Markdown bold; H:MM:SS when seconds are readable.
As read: **3:39:54**
